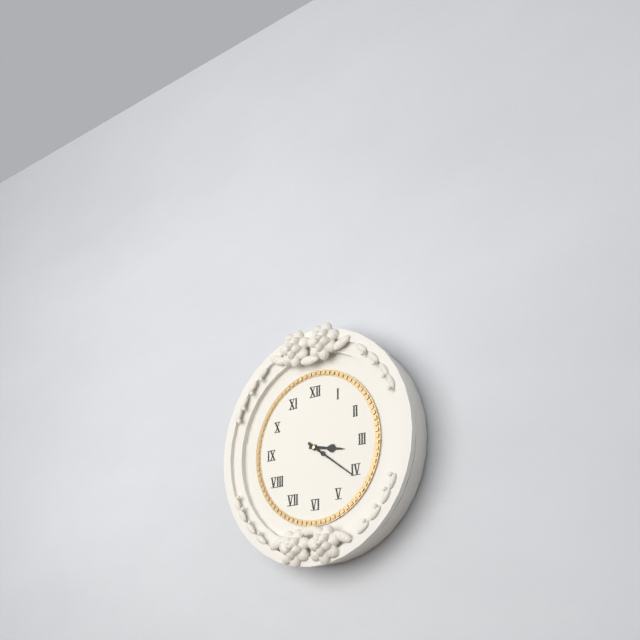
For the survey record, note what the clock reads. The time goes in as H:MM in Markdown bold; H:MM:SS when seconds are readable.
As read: **3:21**
